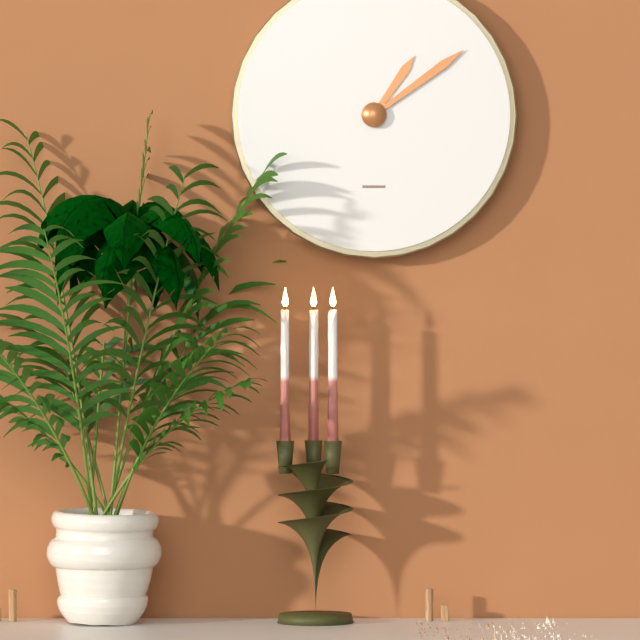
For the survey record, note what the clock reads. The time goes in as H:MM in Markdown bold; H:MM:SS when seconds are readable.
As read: **1:09**
